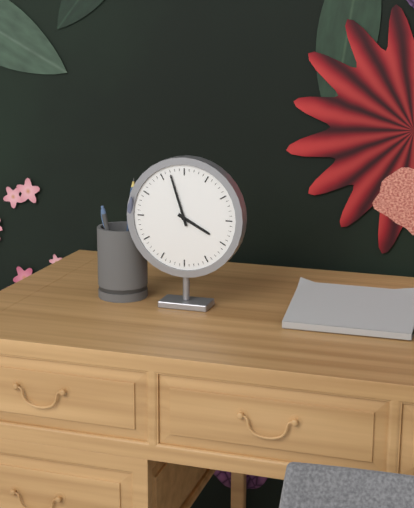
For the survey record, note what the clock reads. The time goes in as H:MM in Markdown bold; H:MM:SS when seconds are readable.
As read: **3:57**
